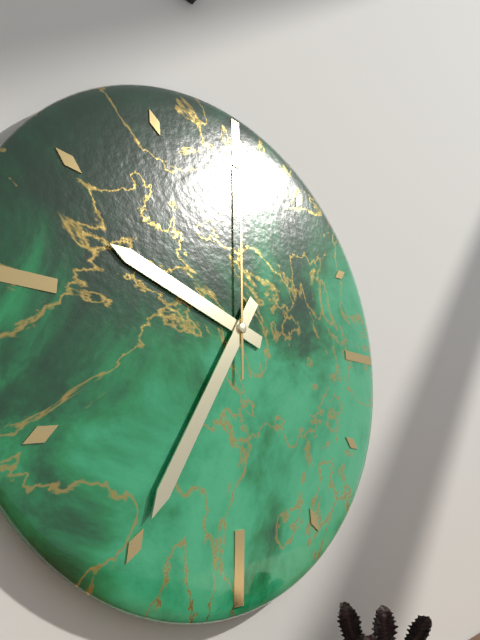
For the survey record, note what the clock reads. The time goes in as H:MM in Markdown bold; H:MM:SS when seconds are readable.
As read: **9:35:00**
